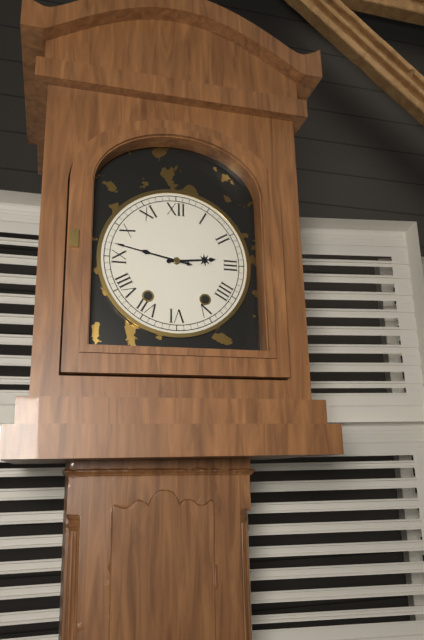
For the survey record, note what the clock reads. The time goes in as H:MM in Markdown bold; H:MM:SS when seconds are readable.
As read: **2:47**
